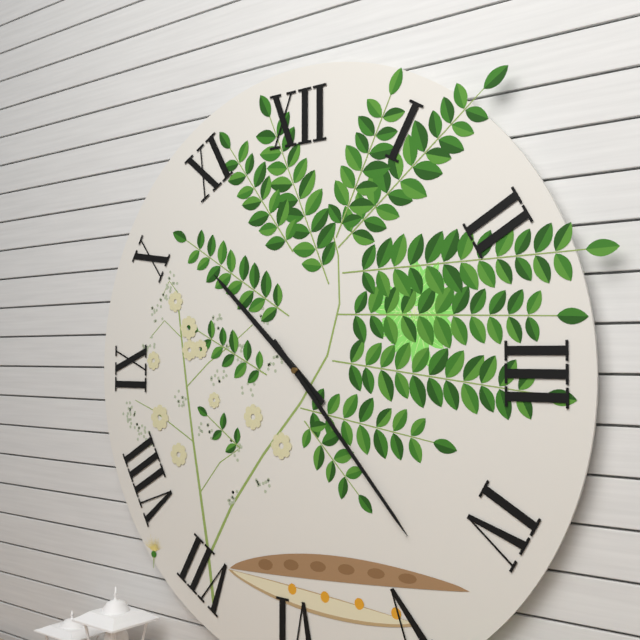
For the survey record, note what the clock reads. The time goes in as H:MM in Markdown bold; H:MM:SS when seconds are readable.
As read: **10:23**
